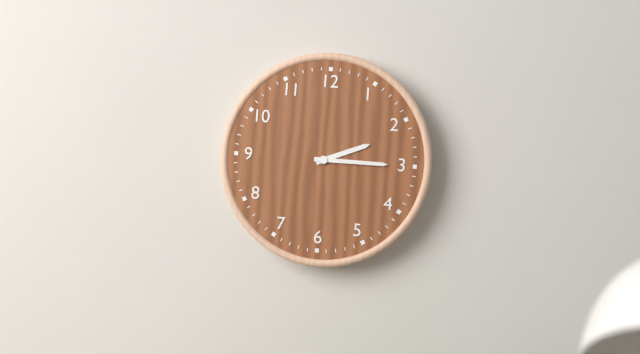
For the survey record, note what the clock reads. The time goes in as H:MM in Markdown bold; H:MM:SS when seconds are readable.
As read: **2:15**
